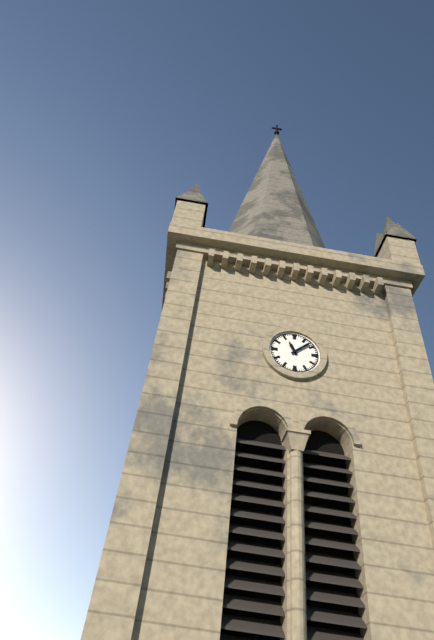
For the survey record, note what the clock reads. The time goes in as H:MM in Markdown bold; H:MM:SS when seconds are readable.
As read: **11:08**
